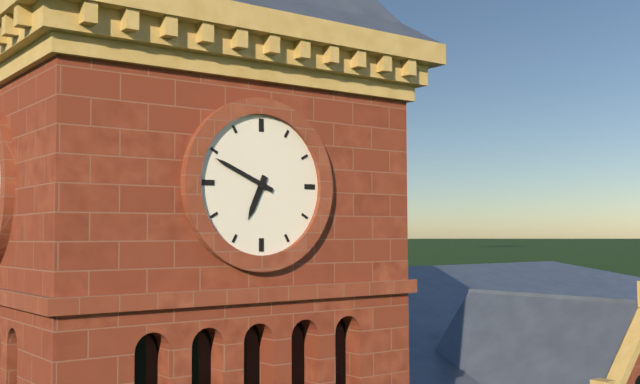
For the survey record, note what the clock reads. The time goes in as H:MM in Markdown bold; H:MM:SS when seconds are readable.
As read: **6:49**
